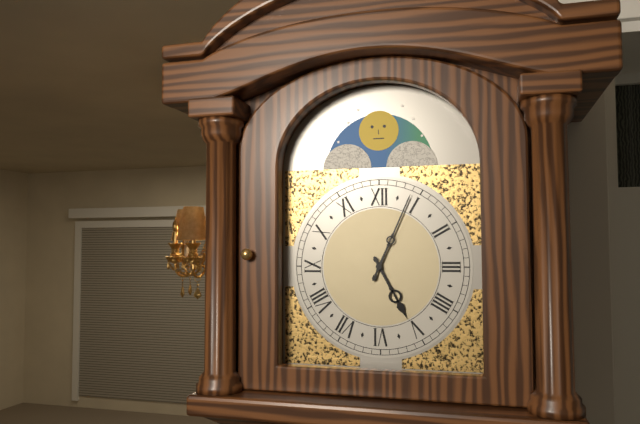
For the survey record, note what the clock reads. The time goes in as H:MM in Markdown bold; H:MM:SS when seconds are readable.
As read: **5:04**
